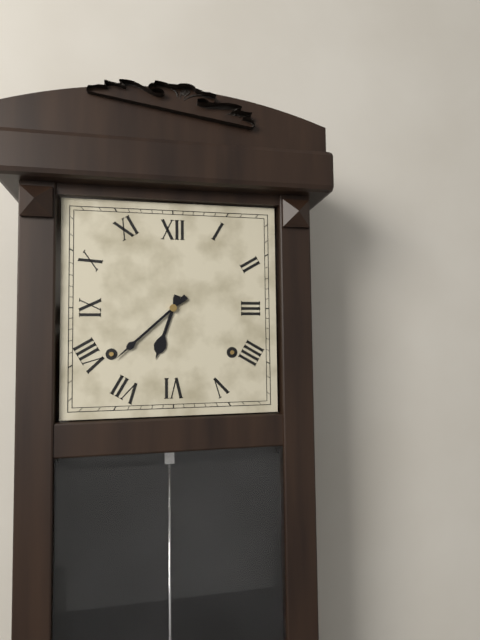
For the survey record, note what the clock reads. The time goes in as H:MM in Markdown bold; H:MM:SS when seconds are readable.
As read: **6:38**
